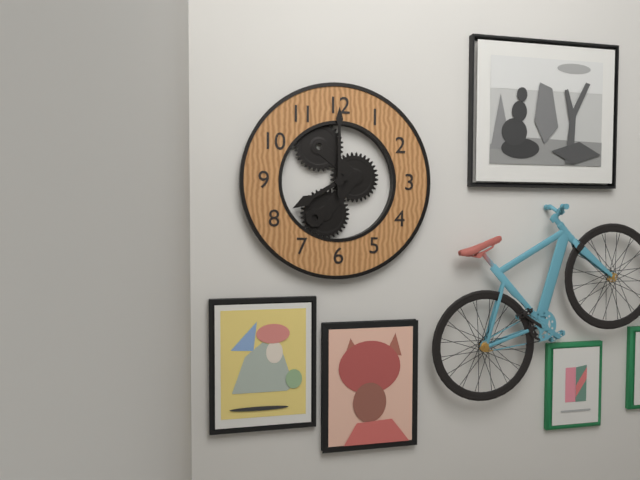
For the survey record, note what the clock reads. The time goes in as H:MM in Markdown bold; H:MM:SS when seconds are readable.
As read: **8:00**
